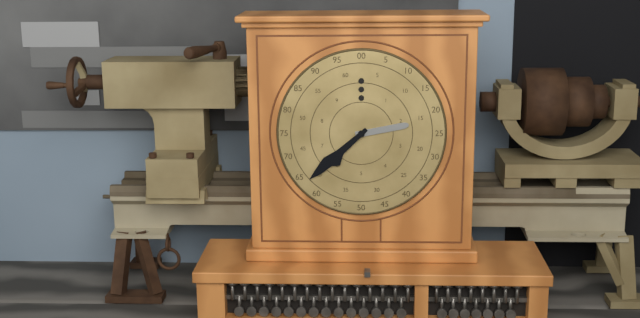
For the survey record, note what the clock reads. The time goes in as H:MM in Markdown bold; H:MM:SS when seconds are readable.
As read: **2:38**
